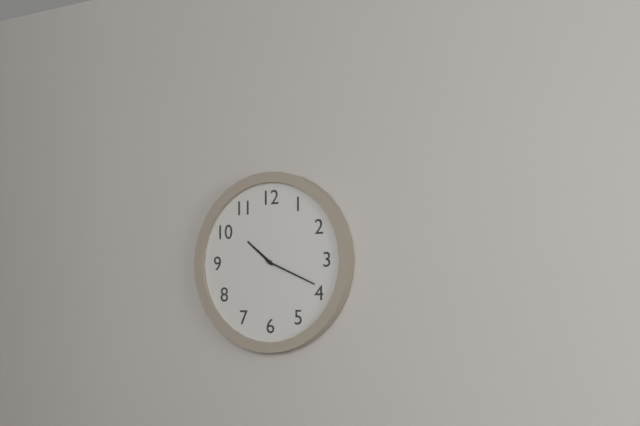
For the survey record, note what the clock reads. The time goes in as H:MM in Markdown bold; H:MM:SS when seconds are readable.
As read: **10:19**
